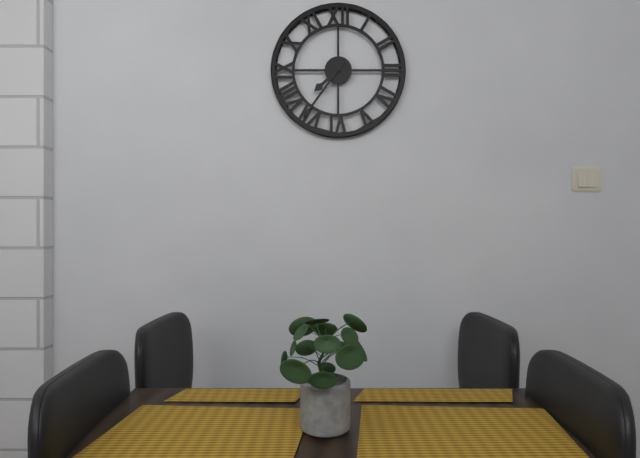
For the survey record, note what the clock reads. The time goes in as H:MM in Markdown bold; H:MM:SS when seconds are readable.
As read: **7:36**
